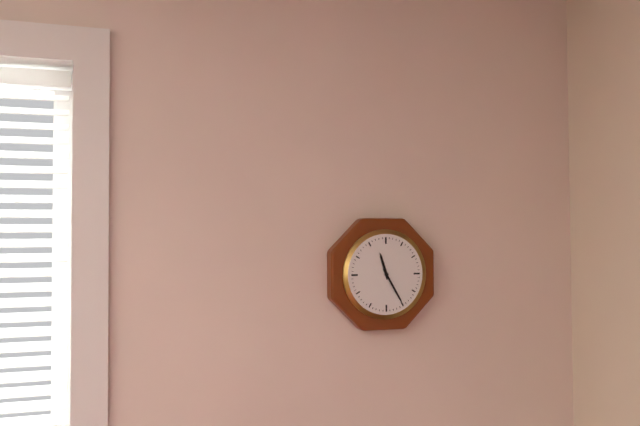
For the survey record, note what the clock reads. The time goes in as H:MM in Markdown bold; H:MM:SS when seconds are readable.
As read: **11:25**
